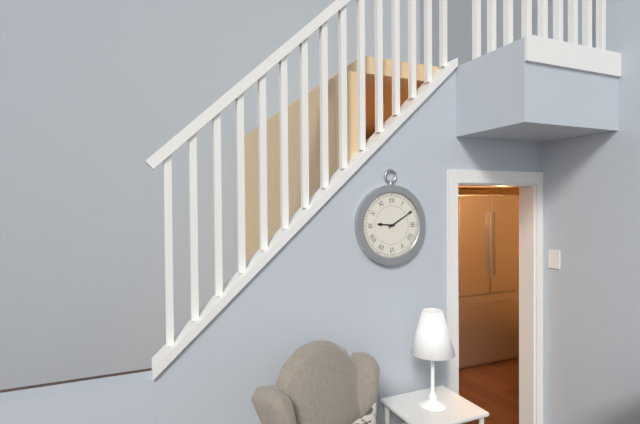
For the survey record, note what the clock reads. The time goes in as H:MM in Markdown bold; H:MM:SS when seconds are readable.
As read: **9:10**
